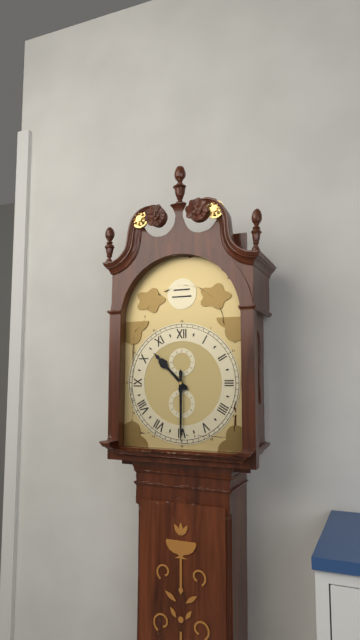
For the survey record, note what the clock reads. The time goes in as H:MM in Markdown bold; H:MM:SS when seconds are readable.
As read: **10:30**
